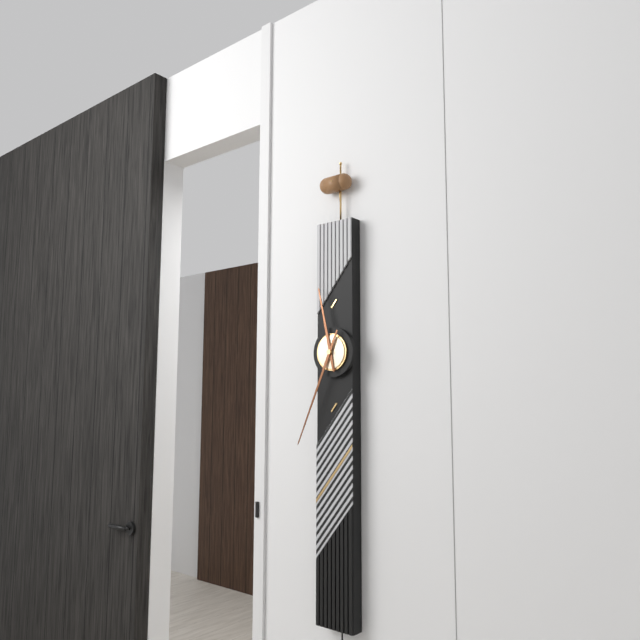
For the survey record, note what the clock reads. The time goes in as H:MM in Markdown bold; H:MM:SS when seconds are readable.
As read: **11:34**
